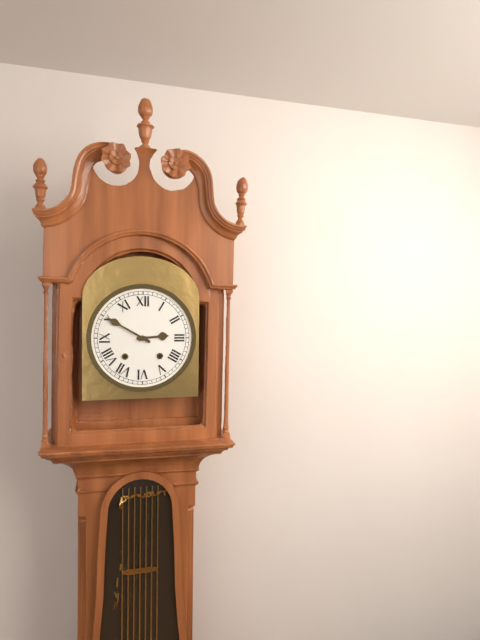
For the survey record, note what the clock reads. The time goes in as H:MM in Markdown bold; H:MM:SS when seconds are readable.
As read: **2:50**
